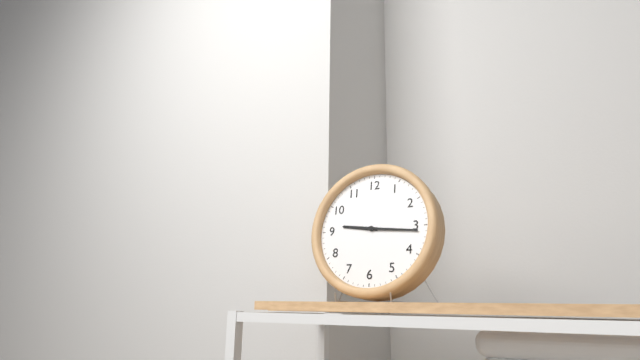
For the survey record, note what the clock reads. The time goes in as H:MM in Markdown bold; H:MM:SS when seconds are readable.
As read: **9:16**
